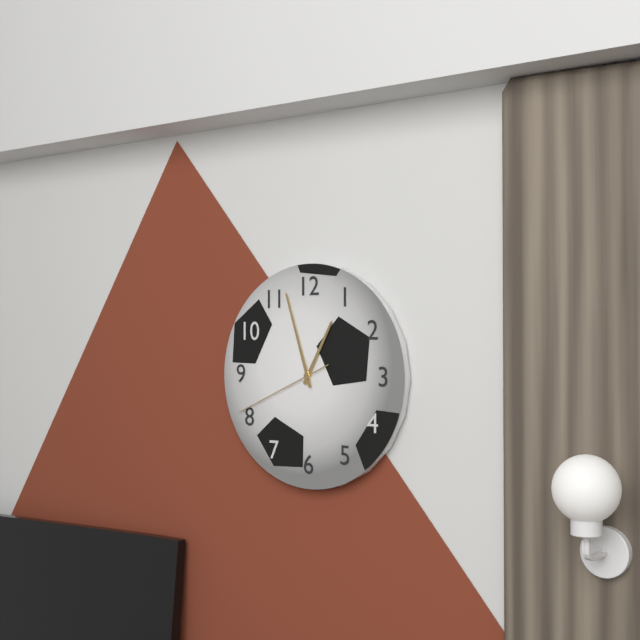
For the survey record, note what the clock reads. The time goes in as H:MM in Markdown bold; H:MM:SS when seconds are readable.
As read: **12:57:41**
